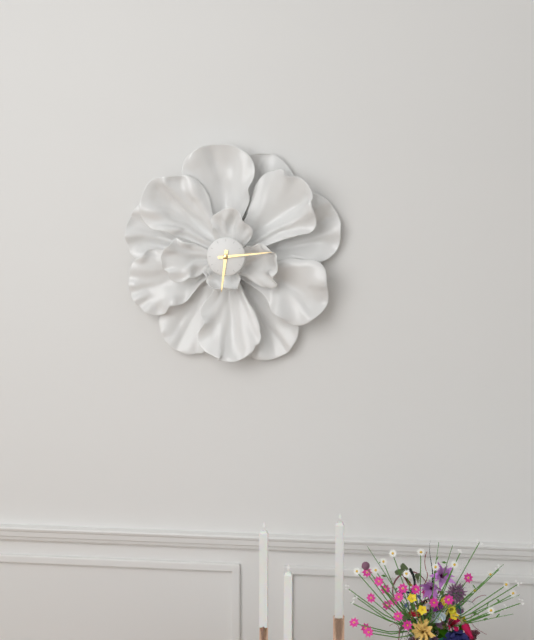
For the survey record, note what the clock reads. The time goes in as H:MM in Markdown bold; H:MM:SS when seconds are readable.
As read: **6:14**
